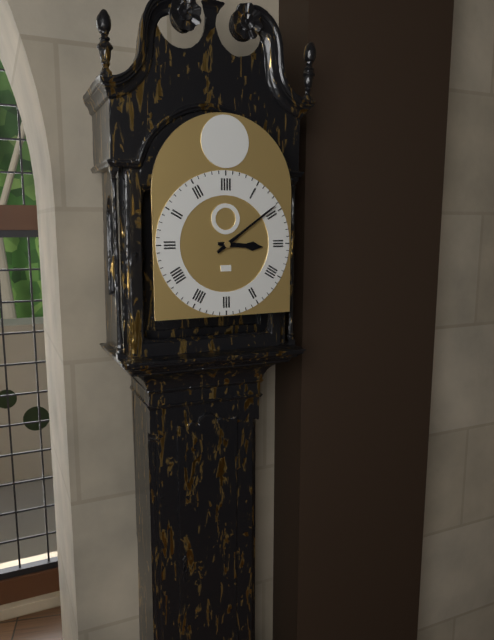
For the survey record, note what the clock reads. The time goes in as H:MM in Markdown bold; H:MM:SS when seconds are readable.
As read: **3:09**
